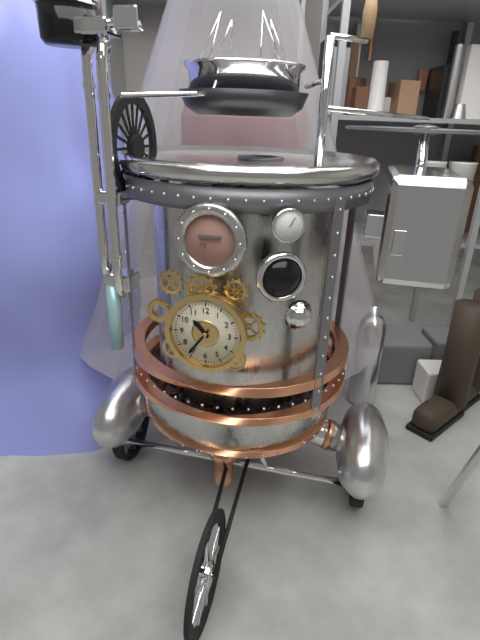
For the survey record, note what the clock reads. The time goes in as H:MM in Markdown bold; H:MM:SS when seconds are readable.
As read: **10:36**
